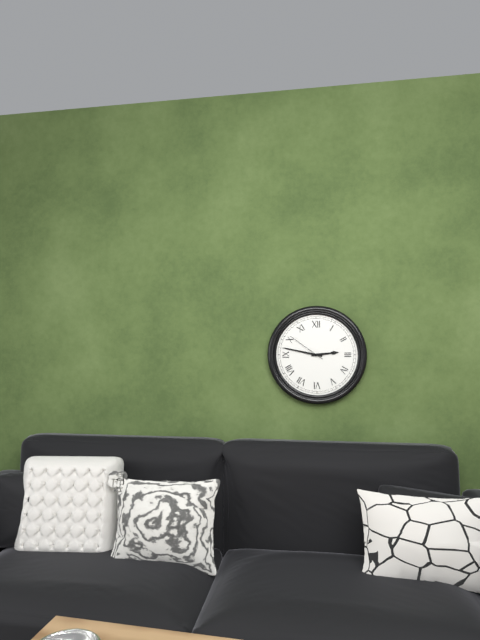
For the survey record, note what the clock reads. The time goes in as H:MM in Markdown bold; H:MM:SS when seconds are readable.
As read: **2:47**
